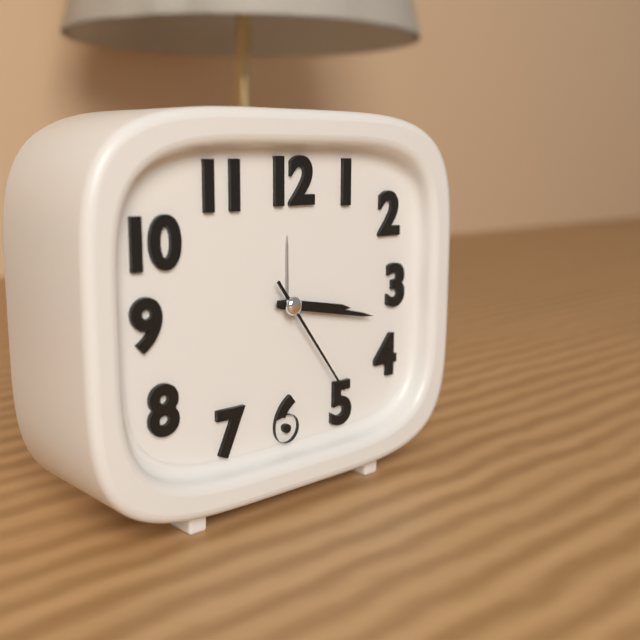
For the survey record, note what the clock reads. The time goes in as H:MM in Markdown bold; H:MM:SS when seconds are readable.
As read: **3:17:24**
